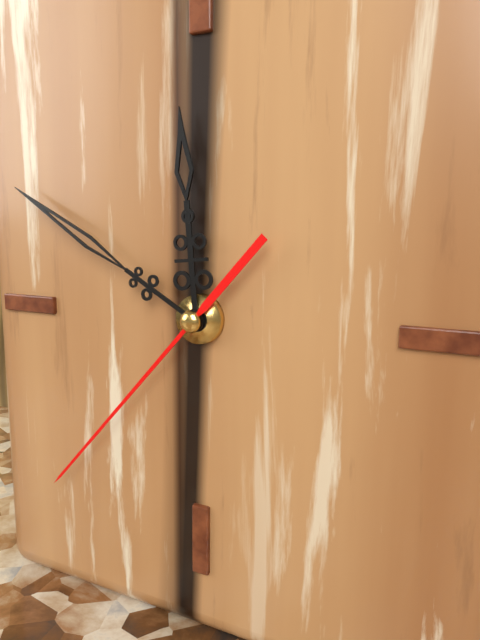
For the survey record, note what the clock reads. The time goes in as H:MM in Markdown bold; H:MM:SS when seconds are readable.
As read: **11:50:37**
